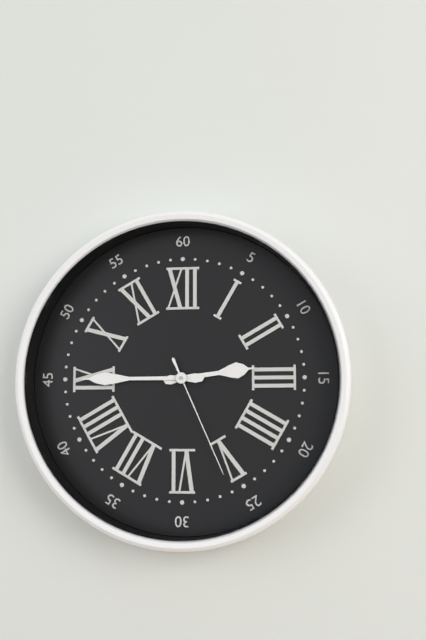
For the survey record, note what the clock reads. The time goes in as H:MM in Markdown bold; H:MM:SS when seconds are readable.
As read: **2:45:26**
